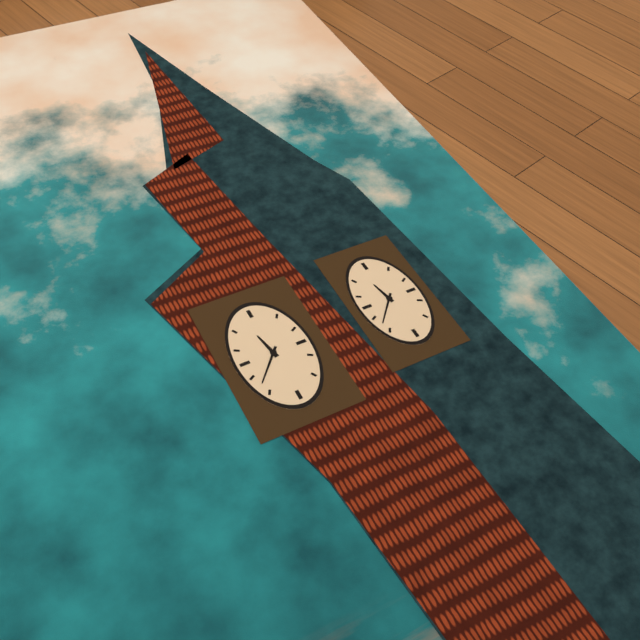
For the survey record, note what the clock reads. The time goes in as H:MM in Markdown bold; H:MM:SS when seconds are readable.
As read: **11:37**
